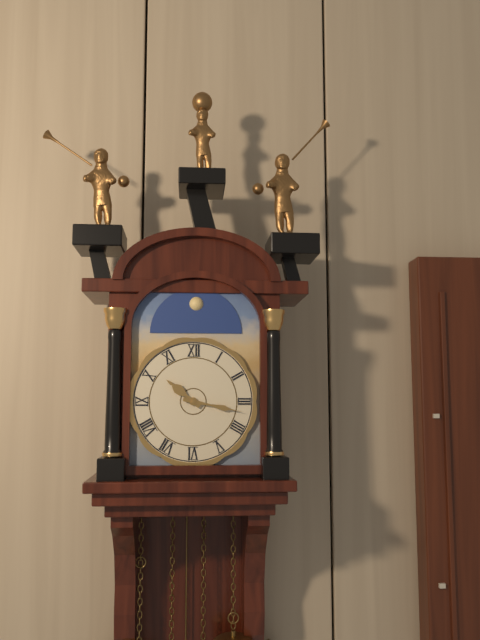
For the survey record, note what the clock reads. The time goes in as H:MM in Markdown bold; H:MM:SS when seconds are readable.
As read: **10:17**
